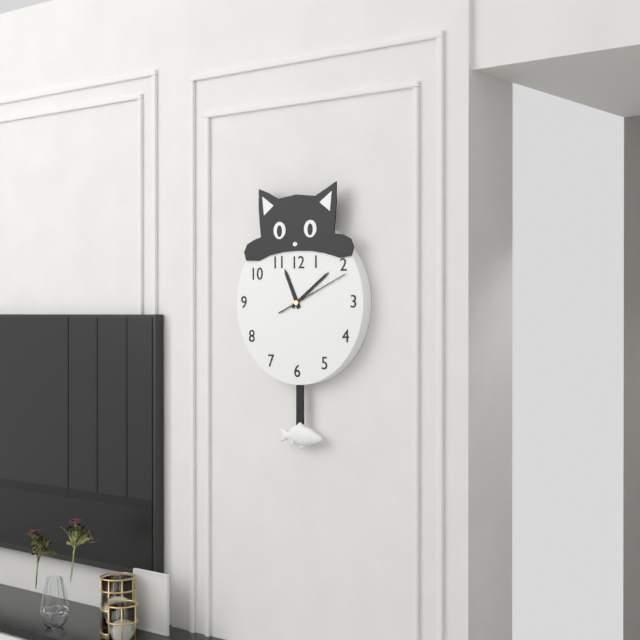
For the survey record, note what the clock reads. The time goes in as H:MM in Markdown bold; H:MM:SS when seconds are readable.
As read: **11:09:11**
